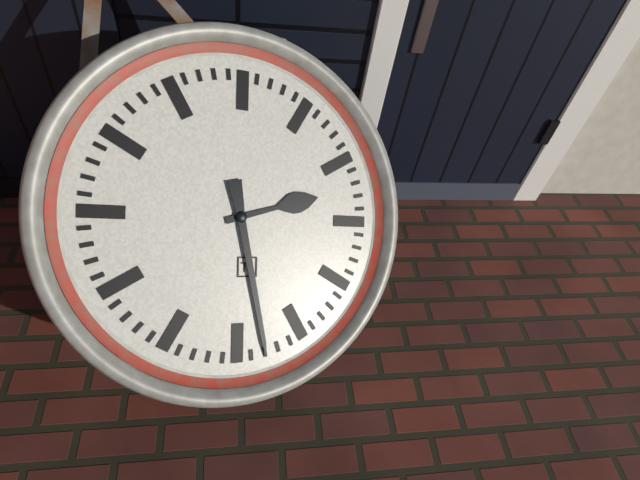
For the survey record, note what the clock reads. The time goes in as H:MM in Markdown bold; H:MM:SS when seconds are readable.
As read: **2:28**
